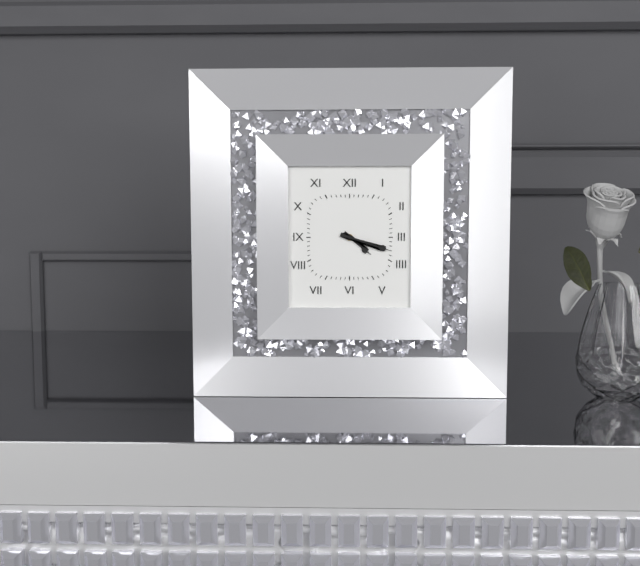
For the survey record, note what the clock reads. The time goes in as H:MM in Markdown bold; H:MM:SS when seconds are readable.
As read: **4:18**
